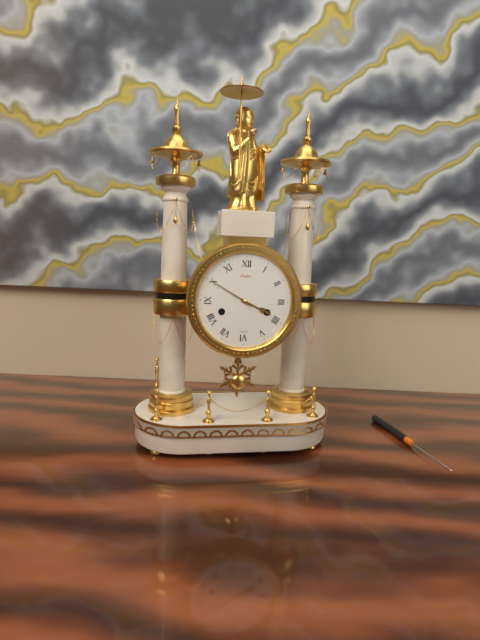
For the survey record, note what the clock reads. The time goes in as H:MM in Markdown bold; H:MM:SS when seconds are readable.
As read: **3:50**
